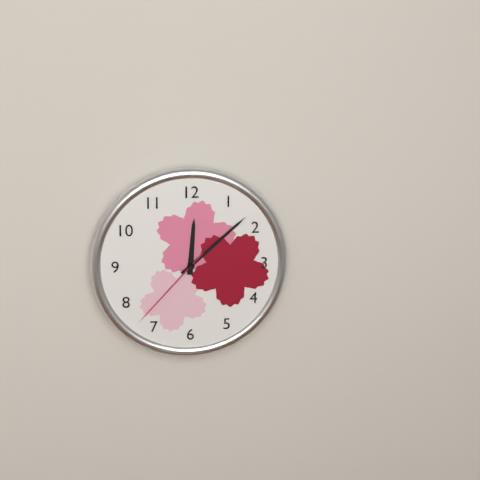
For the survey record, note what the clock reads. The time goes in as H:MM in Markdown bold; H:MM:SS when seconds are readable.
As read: **12:08:37**
